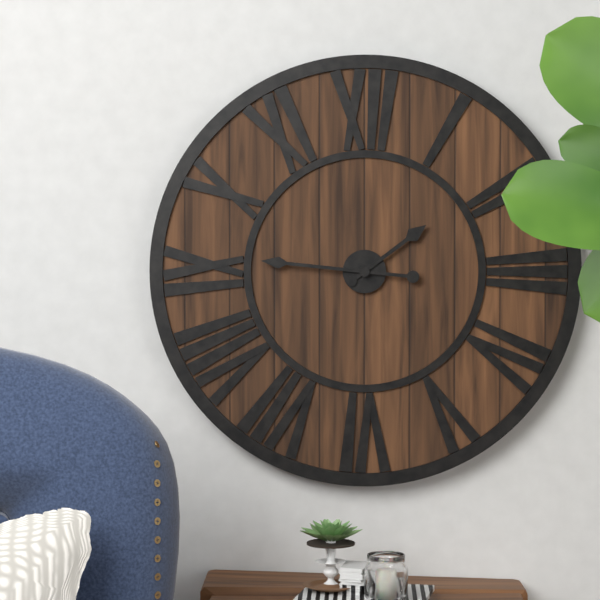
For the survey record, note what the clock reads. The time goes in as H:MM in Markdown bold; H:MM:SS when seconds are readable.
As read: **1:46**
